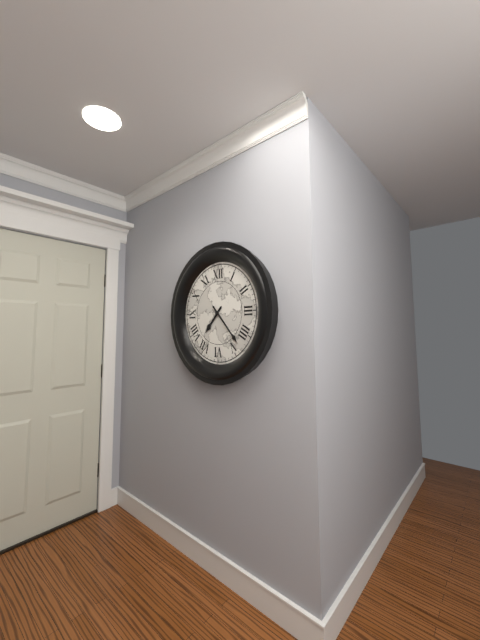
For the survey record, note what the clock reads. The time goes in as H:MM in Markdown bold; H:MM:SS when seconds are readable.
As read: **7:23**
